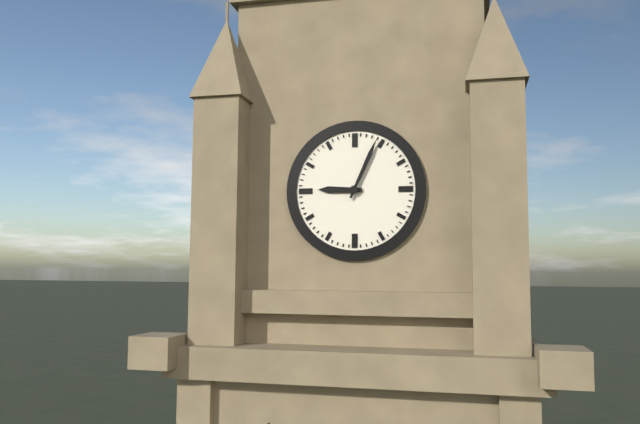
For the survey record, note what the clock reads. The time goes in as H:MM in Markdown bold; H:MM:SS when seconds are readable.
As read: **9:04**
